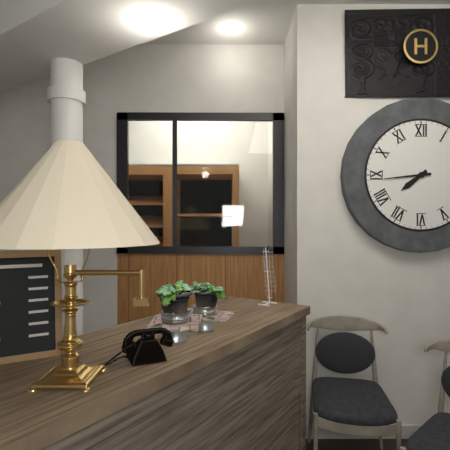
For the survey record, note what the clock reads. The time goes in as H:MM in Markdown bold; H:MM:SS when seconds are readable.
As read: **7:44**
